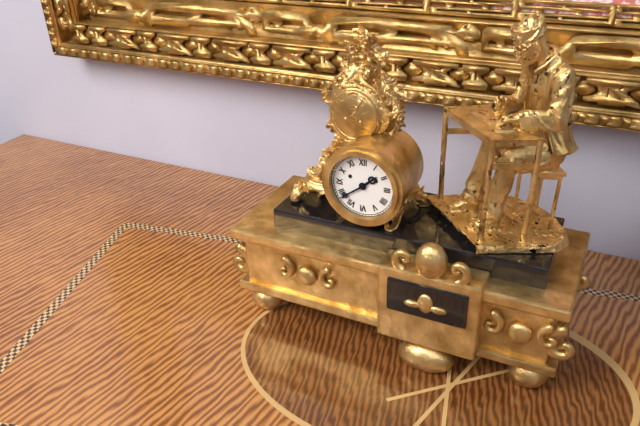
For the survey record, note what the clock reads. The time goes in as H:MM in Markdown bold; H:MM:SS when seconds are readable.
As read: **1:39**
